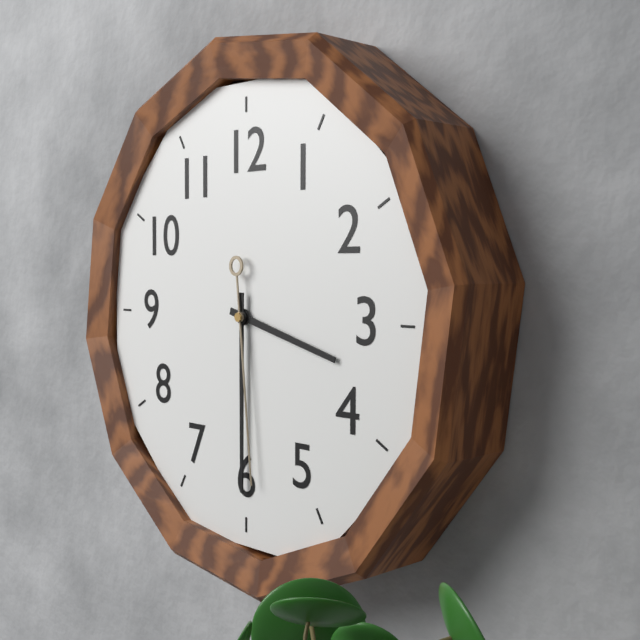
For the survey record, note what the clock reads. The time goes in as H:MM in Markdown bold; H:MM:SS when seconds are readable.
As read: **3:30:29**
